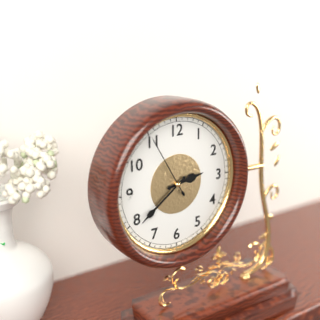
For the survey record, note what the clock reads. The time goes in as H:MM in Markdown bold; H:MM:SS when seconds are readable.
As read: **2:39:55**
